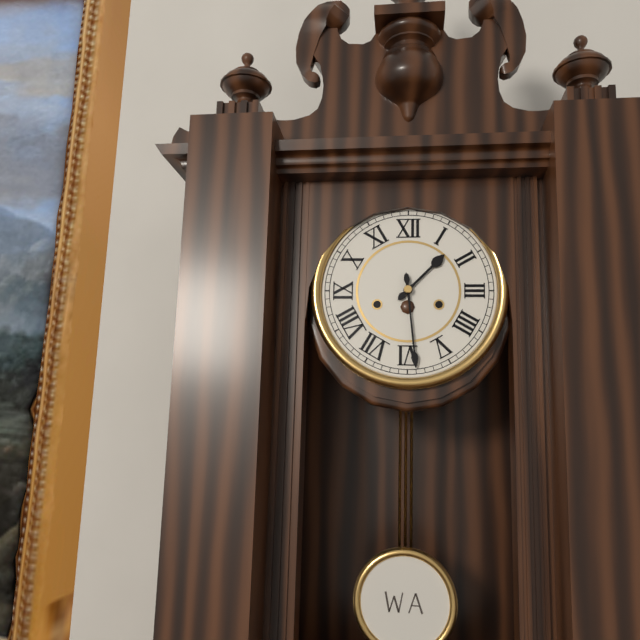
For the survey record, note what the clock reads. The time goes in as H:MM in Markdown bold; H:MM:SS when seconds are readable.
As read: **1:29**
